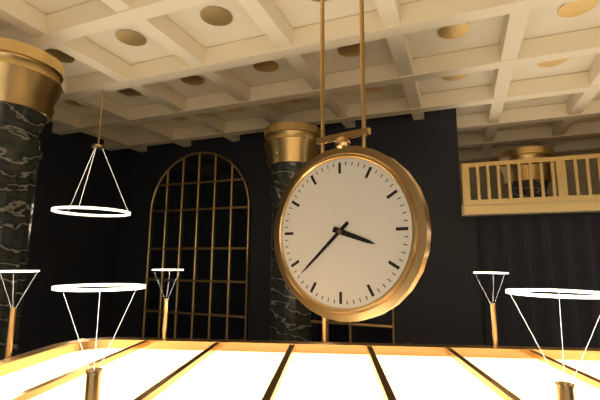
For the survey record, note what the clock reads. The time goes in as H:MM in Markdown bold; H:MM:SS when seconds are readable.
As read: **3:38**
